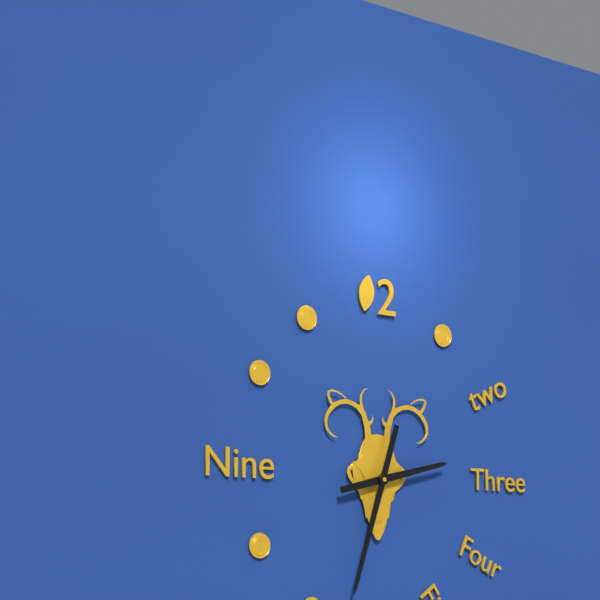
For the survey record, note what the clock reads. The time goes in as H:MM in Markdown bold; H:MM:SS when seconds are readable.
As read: **2:33**
